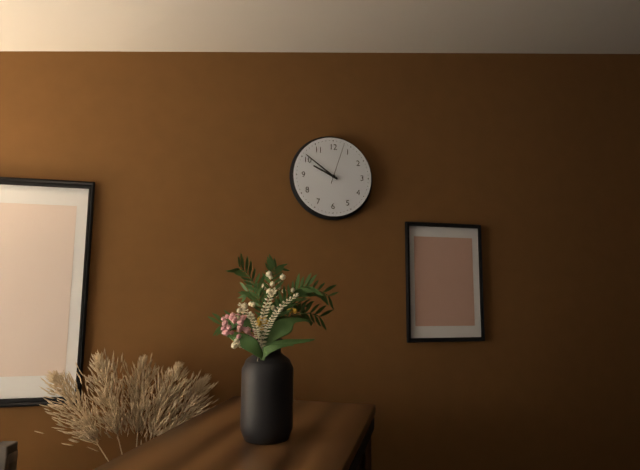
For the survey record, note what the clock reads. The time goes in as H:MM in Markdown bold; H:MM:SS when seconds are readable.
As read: **9:51**
